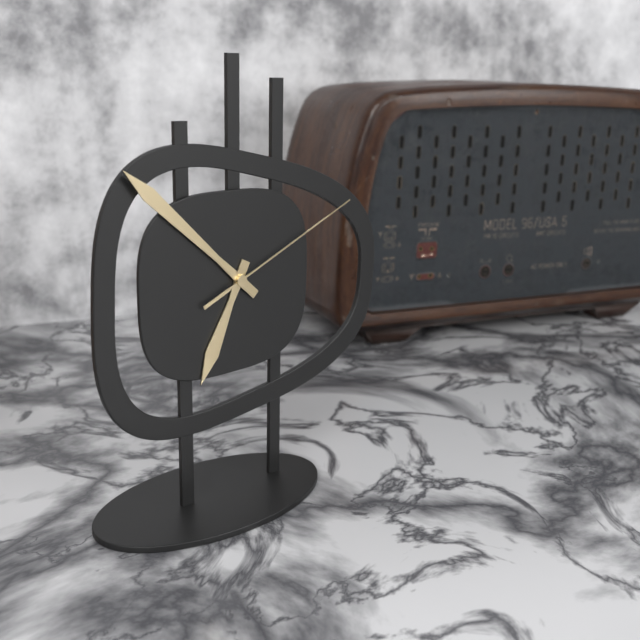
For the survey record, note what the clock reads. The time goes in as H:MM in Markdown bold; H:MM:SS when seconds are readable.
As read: **6:52:11**
